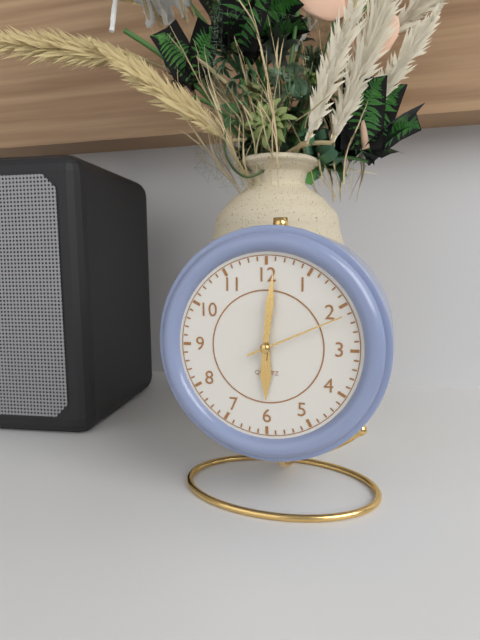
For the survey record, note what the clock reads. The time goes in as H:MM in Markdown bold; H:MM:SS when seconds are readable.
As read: **6:01:11**
